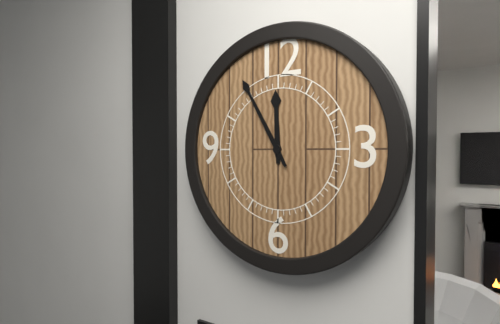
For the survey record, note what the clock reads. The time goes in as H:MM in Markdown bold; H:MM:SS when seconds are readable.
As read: **11:55**
